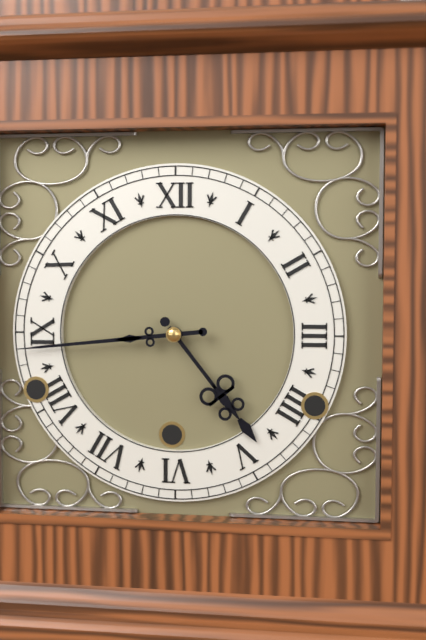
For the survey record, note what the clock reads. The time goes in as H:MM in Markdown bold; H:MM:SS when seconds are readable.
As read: **4:44**
